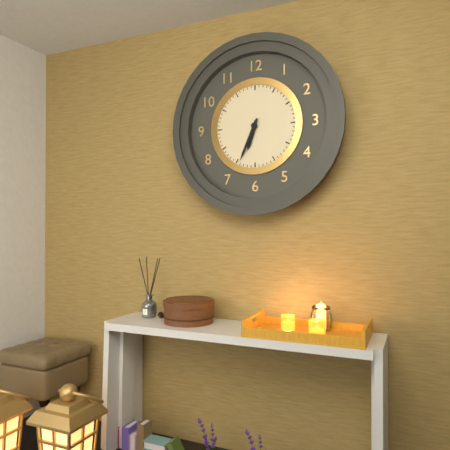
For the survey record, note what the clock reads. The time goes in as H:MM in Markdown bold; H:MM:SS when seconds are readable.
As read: **6:34**
